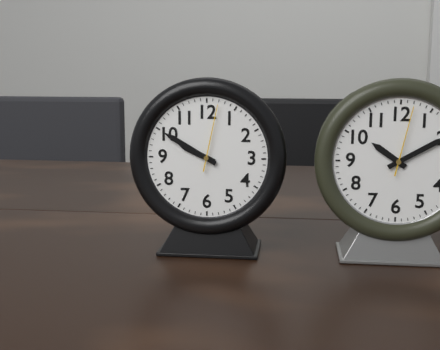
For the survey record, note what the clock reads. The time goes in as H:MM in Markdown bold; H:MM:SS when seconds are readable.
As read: **9:50:02**
